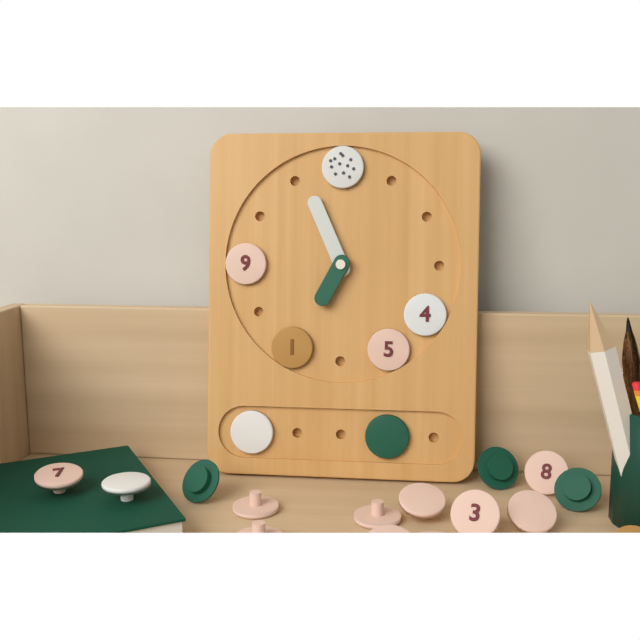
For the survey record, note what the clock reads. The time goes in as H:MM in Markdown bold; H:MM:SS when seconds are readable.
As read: **6:56**
